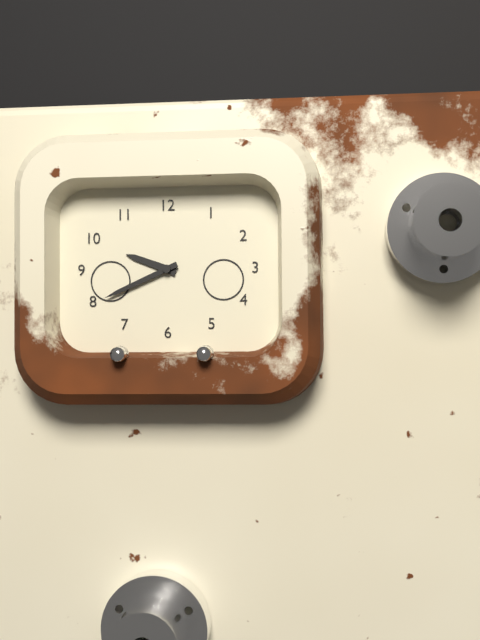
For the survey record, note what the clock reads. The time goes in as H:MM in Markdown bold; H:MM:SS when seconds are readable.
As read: **9:41**
